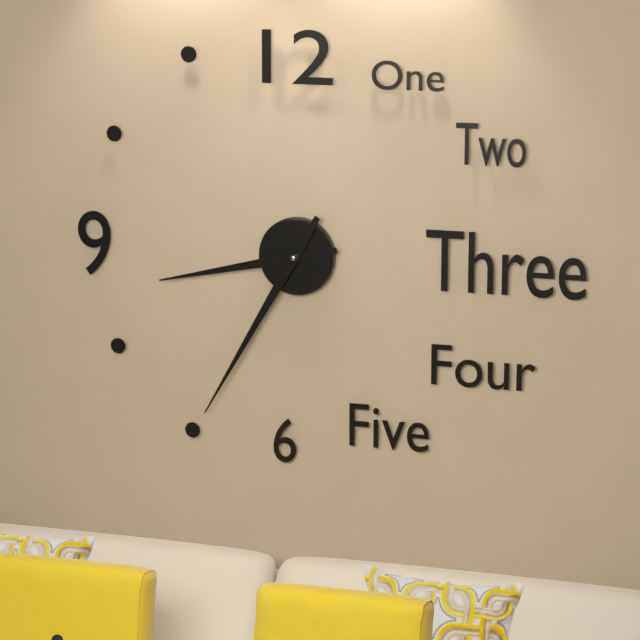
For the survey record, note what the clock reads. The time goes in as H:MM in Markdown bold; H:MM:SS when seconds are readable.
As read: **8:35**
